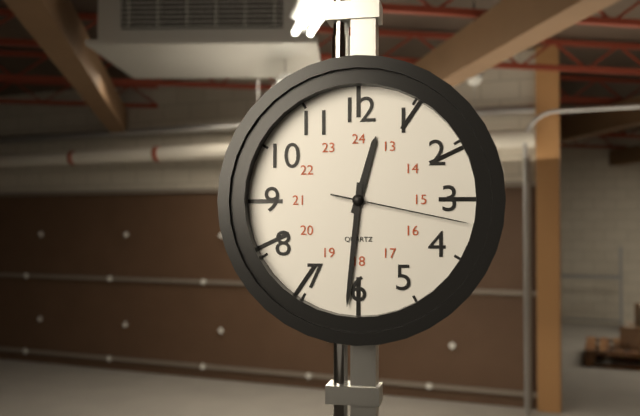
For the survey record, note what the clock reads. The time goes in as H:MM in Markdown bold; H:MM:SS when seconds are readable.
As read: **12:31:17**
